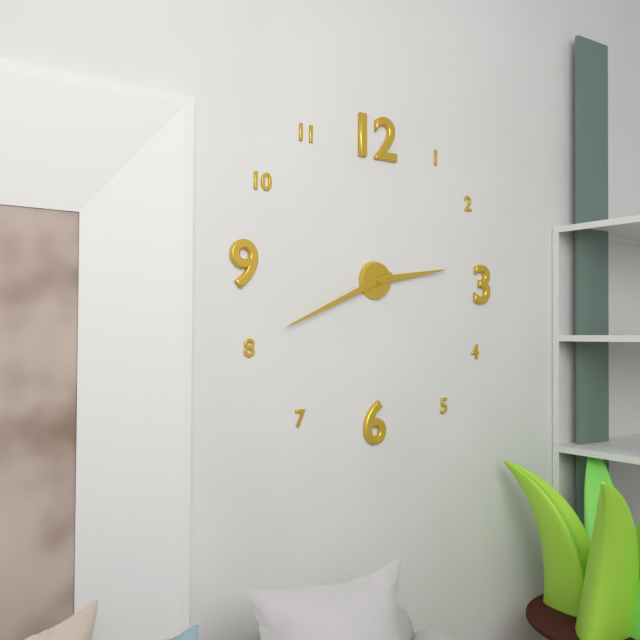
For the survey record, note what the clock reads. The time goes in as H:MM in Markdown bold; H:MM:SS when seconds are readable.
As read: **2:41**
